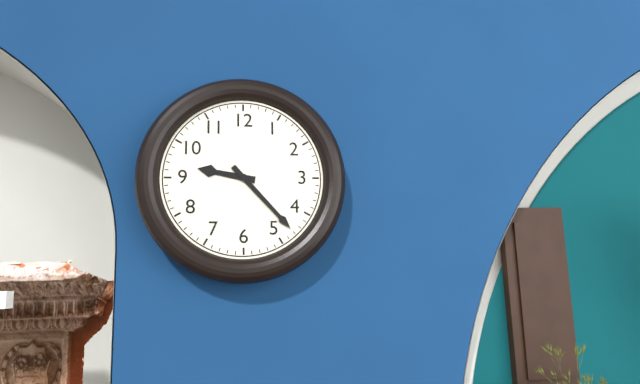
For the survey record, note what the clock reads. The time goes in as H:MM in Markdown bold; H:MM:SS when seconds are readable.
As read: **9:23**
